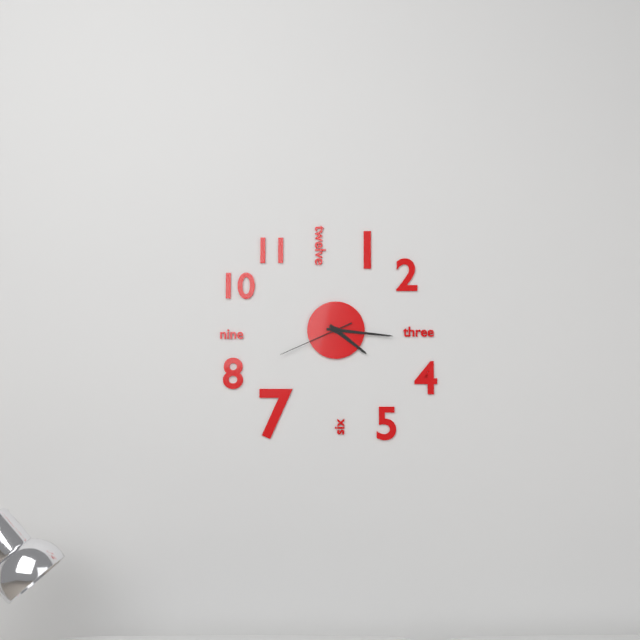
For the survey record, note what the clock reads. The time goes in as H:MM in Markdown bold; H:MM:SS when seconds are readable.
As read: **4:16:41**
